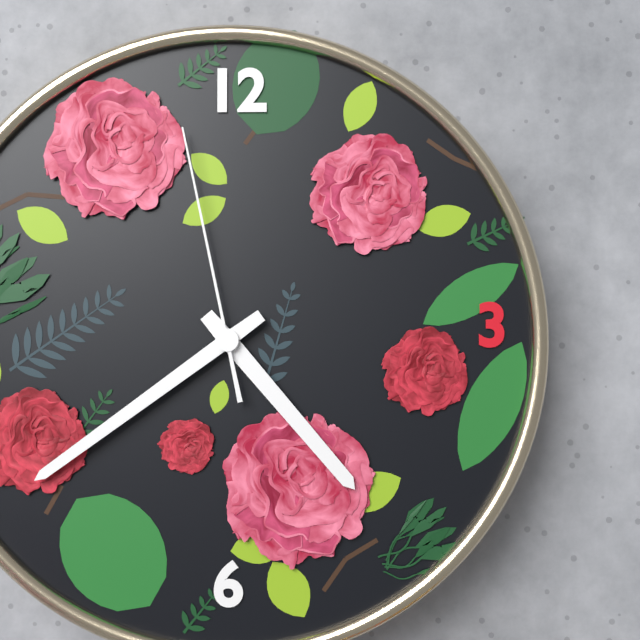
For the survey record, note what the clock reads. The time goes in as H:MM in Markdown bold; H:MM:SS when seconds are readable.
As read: **4:39:58**
